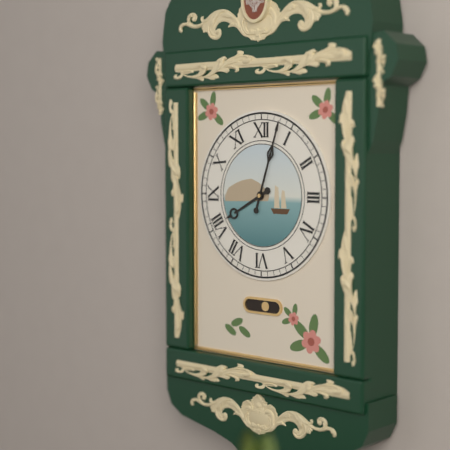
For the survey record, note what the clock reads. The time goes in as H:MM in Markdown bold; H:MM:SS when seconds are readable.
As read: **8:03**
